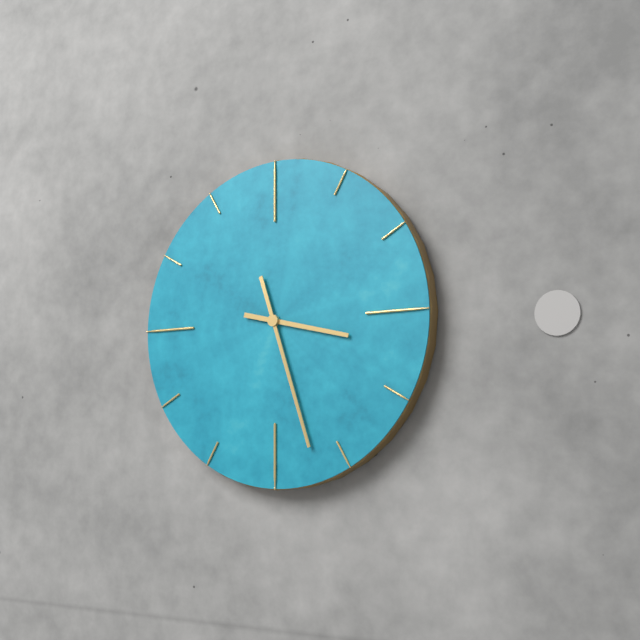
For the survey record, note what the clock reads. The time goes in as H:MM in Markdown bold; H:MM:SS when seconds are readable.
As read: **3:27**
